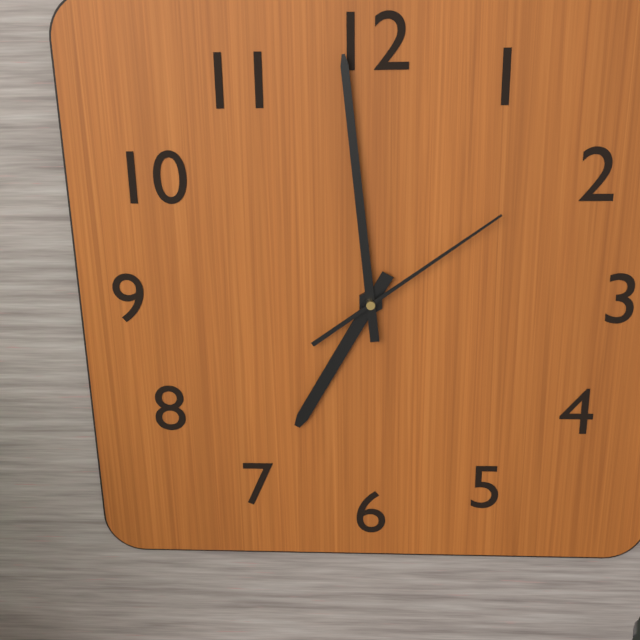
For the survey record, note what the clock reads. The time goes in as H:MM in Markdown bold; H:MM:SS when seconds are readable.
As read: **6:59:09**
